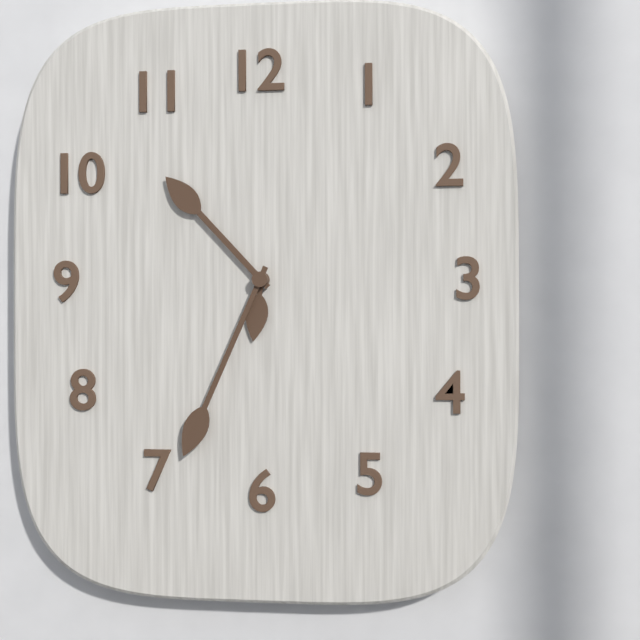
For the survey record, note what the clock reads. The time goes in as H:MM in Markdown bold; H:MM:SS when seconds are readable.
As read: **10:34**
